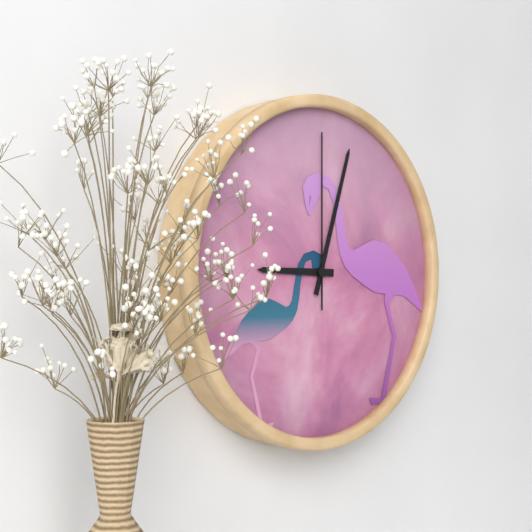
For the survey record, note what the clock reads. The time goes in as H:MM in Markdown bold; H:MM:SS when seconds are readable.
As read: **9:03:00**
